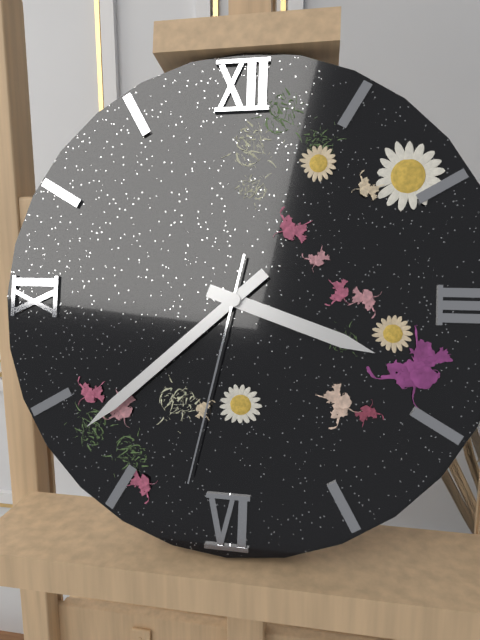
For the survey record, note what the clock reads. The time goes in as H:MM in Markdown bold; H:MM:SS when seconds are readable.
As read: **3:38:32**
